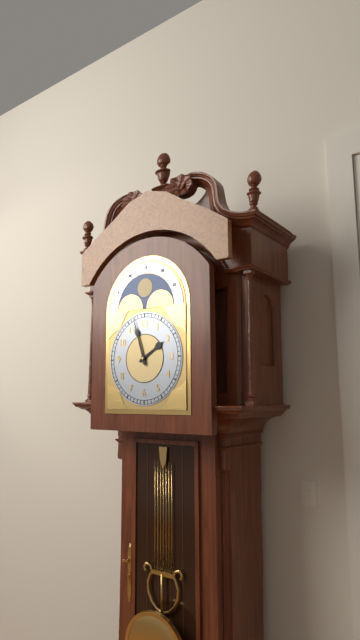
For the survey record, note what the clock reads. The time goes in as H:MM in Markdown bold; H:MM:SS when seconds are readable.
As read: **1:57**
